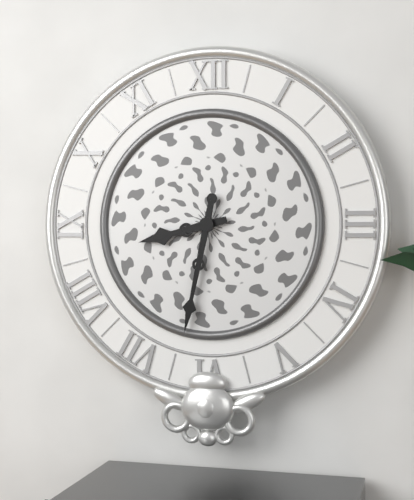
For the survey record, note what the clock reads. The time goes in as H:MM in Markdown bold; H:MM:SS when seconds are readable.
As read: **8:32**
